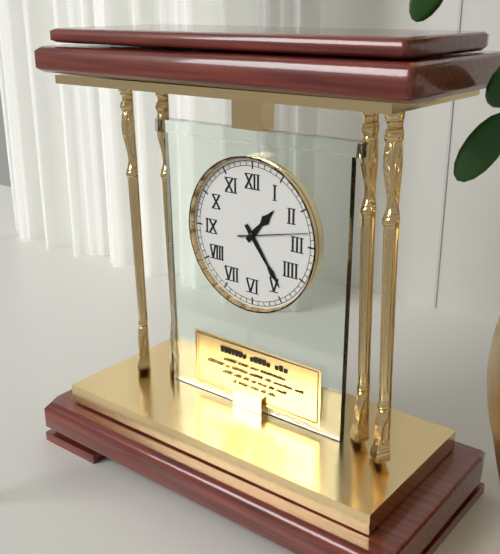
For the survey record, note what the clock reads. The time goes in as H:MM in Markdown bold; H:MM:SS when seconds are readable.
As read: **1:24:13**
